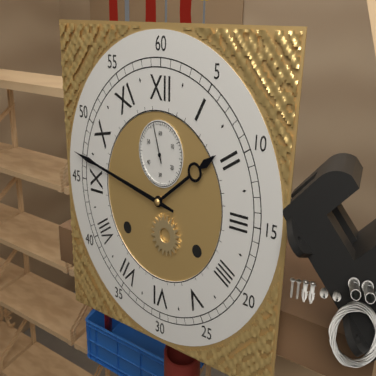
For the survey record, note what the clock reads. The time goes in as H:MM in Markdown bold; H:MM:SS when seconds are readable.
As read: **1:47**
